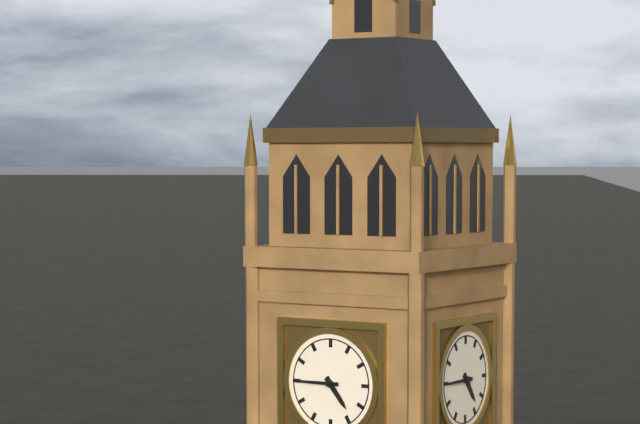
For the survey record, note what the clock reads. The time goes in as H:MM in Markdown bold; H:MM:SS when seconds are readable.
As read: **4:45**
